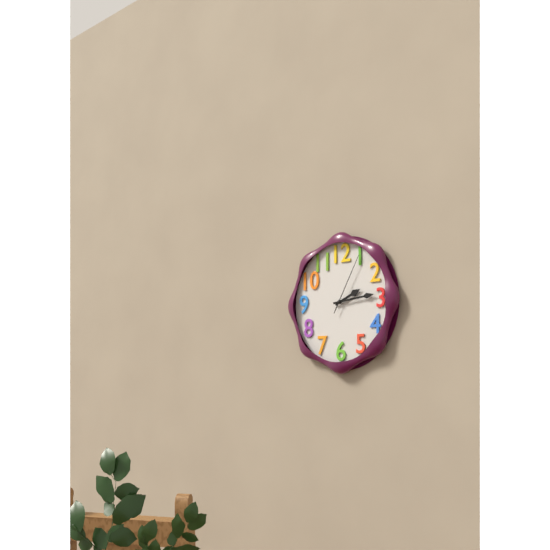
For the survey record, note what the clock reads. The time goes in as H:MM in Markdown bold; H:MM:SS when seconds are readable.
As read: **2:14:05**
